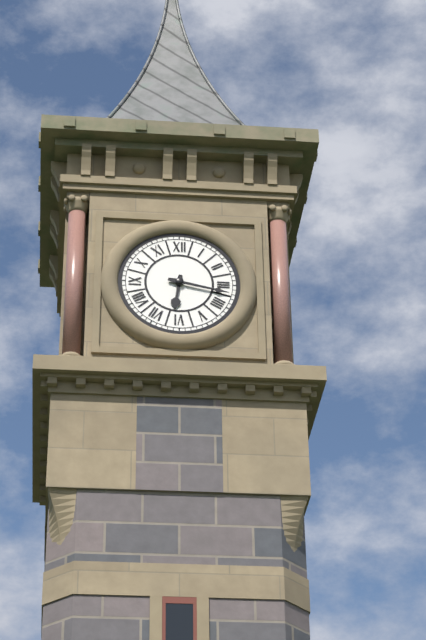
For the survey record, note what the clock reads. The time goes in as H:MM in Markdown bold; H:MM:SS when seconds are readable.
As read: **6:17**
